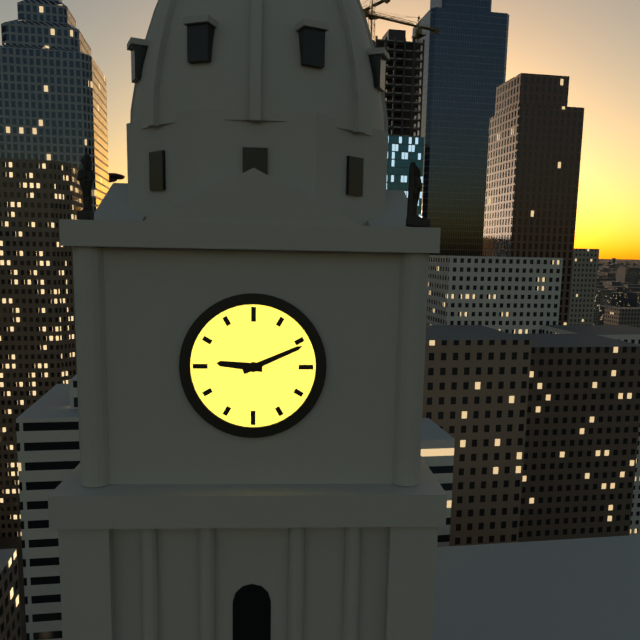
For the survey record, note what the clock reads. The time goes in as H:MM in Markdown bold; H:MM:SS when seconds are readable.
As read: **9:11**
